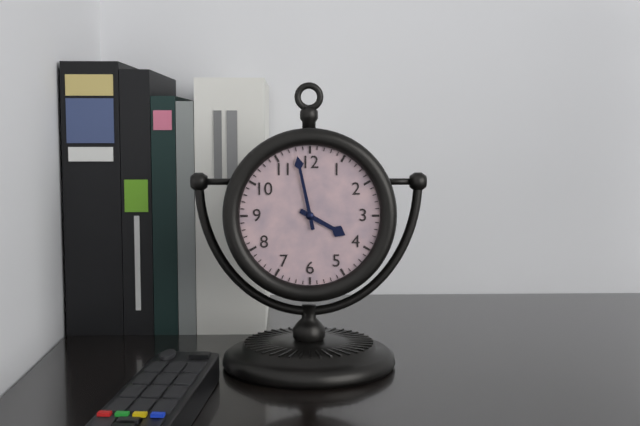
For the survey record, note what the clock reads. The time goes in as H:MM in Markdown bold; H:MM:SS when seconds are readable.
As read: **3:58**
